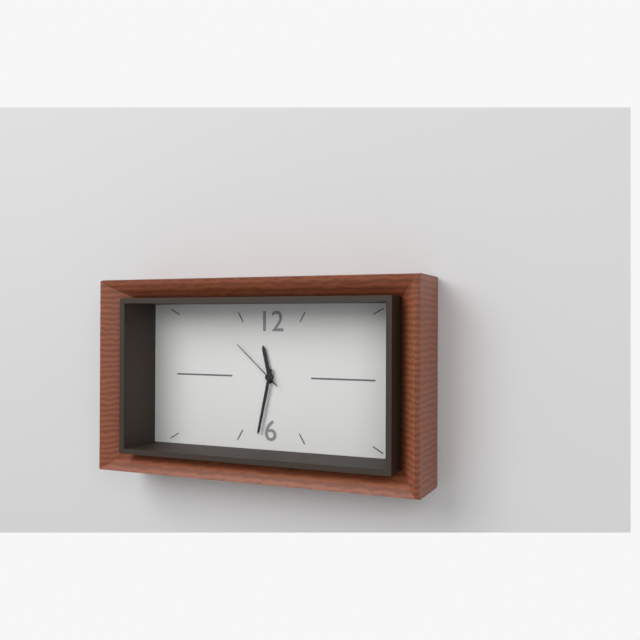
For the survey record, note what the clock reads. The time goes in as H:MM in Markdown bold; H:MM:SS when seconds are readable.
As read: **11:32:52**
